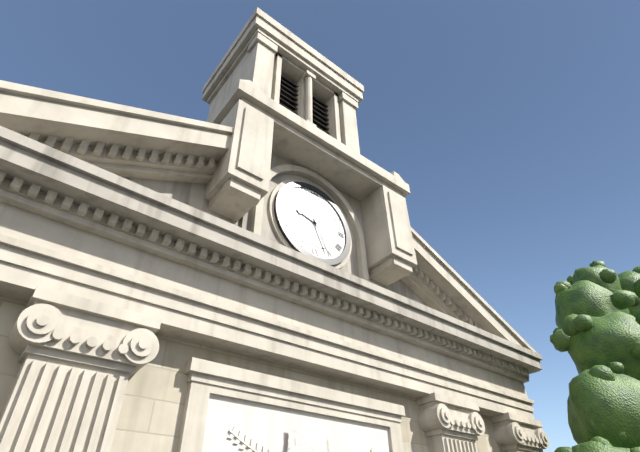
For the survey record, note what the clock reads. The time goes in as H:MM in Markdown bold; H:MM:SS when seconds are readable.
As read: **9:26**
